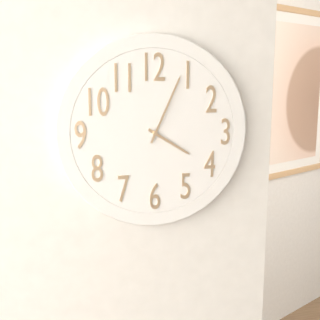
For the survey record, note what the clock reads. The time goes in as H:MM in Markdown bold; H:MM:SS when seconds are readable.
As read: **4:04**
